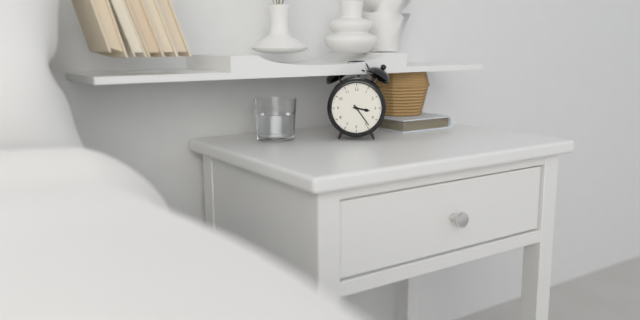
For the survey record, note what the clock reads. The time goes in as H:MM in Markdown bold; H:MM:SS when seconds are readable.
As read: **3:24**
